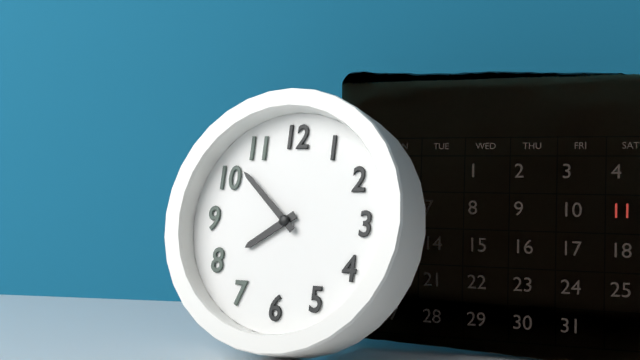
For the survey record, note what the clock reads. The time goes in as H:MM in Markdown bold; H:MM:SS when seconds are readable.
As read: **7:52**
